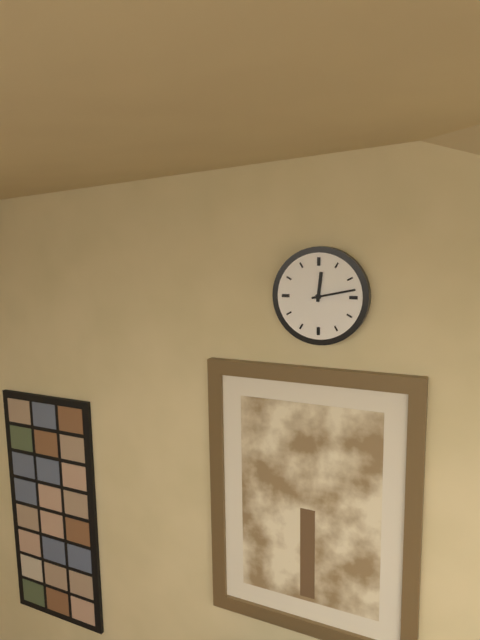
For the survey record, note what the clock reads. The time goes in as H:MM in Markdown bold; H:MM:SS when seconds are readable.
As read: **12:13**
